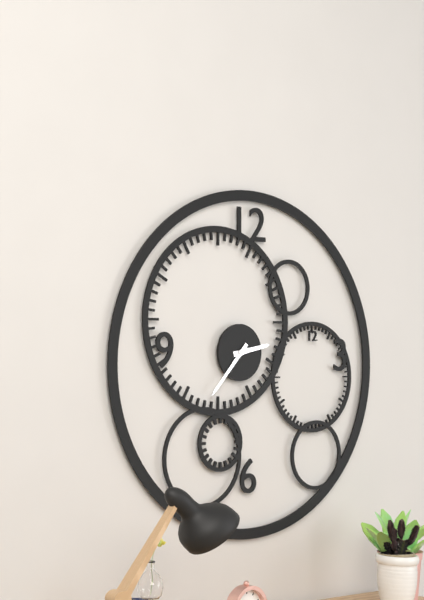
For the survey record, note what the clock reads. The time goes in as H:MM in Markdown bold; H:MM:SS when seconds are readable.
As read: **2:37**
